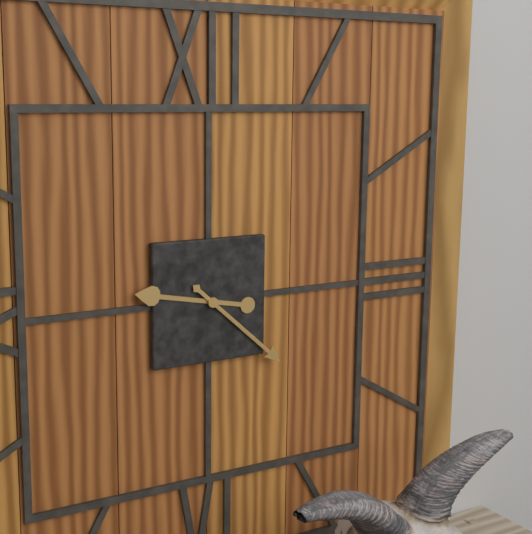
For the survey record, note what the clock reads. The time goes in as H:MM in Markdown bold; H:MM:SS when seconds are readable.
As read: **9:22**
